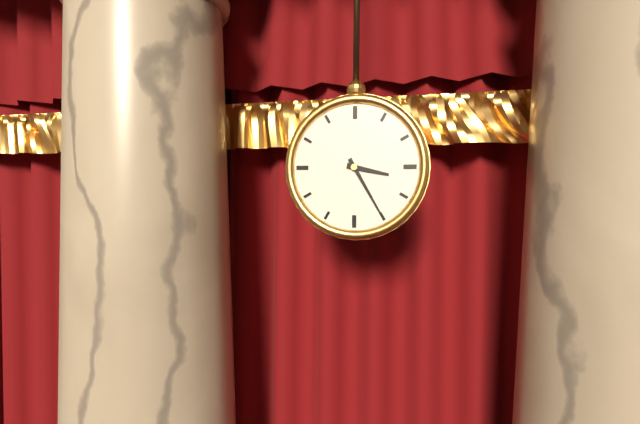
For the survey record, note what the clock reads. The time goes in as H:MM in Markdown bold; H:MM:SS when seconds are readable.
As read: **3:25**
